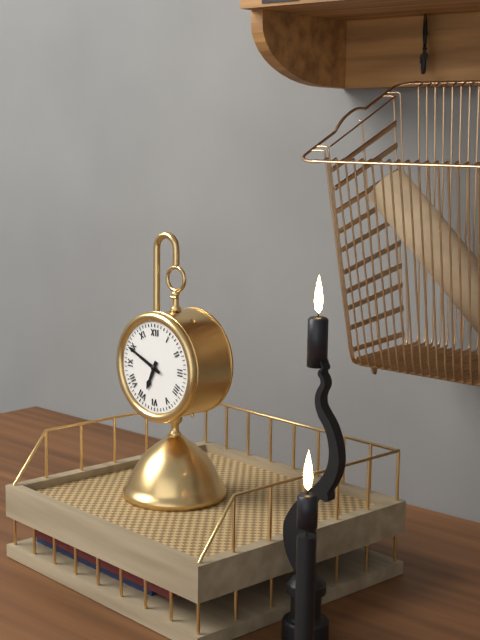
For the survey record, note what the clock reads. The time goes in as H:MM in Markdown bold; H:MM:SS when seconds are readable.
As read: **6:49**
